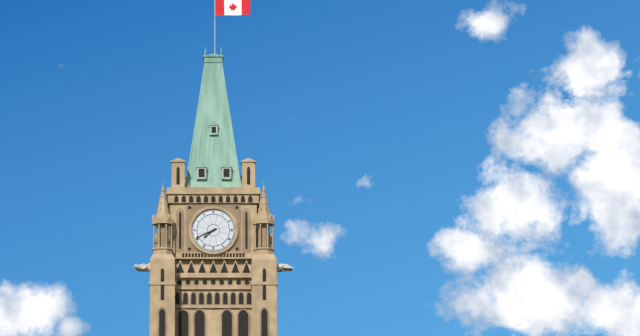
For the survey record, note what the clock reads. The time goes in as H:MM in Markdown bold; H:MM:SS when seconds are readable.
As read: **7:41**
